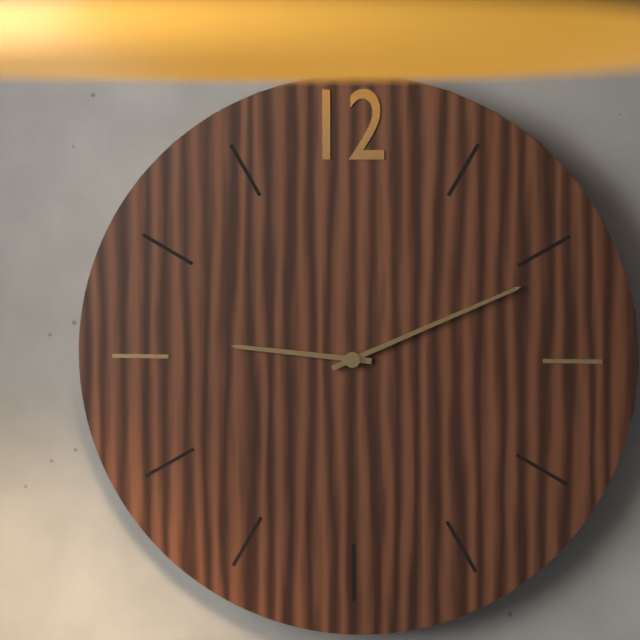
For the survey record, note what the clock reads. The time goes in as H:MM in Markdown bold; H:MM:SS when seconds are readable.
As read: **9:11**
